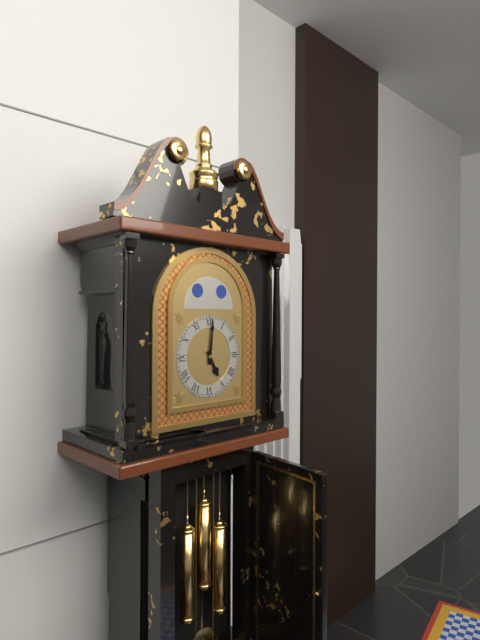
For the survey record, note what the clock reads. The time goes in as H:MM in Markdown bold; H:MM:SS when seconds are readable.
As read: **5:01**
